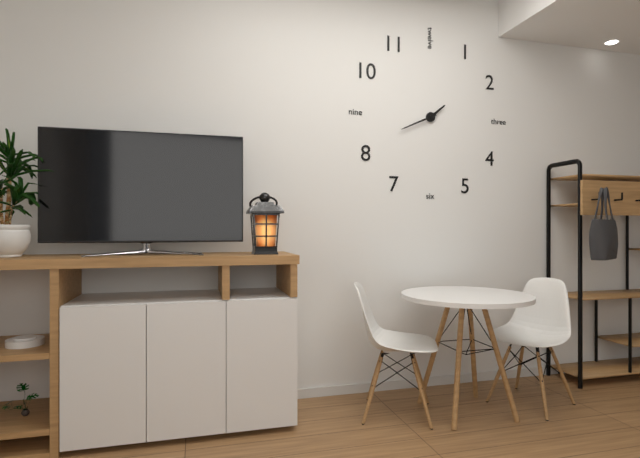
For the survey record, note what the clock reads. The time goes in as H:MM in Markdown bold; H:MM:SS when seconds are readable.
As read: **1:41**
